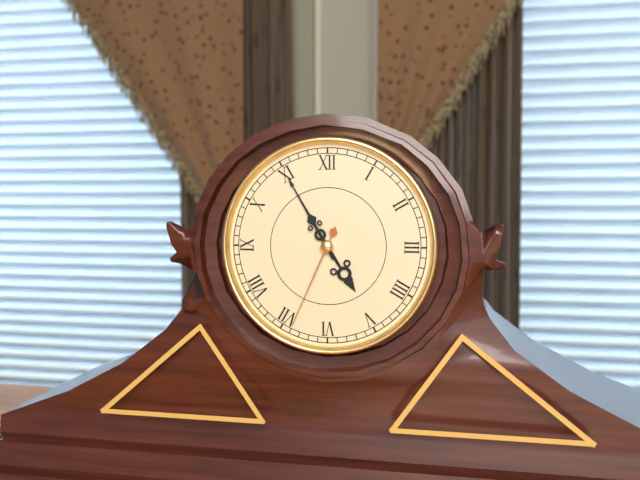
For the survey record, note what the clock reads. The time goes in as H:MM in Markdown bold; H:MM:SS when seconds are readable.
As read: **4:55:34**
